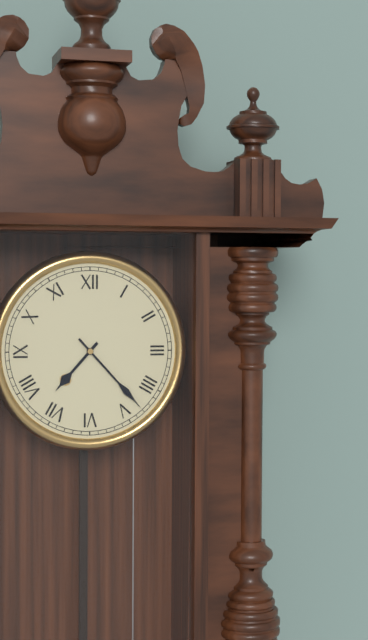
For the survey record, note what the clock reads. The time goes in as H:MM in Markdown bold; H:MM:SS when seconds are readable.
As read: **7:23**
